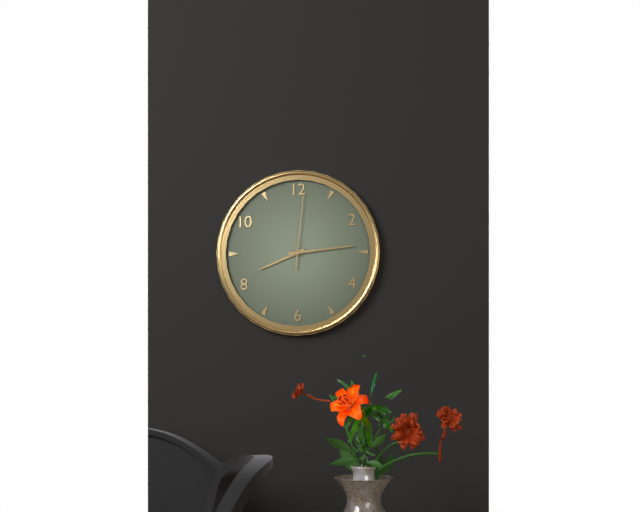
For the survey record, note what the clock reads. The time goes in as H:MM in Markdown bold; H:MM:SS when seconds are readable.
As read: **8:14:01**
